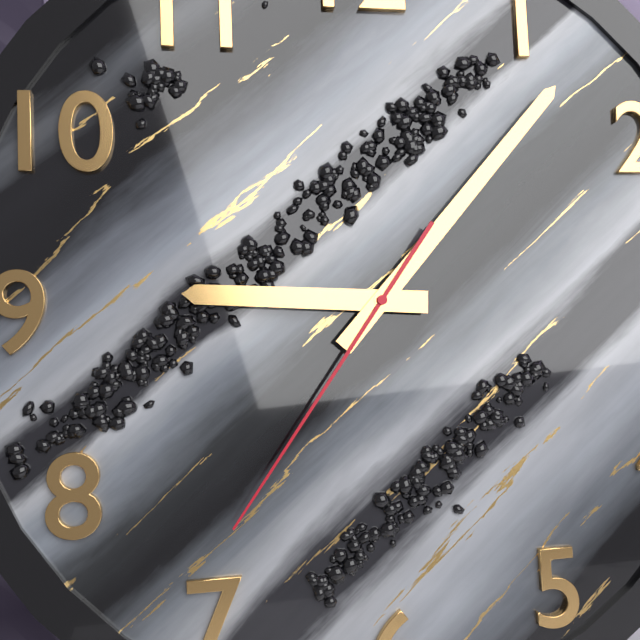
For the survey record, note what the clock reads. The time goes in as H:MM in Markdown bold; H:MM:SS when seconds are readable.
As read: **9:07:36**
